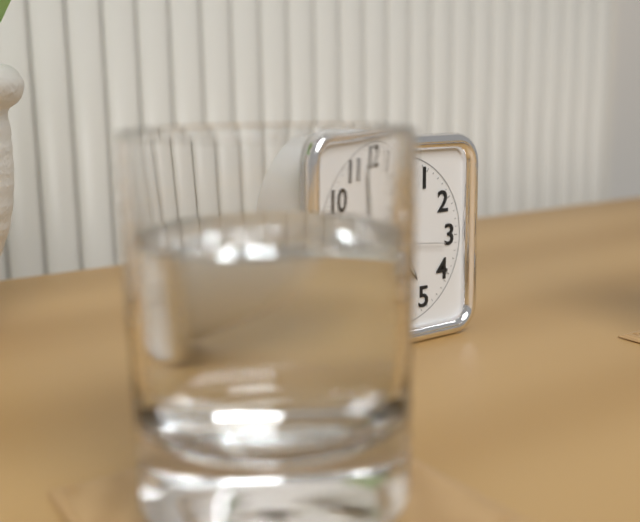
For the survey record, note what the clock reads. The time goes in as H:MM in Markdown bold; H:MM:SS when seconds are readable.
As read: **4:58:16**
